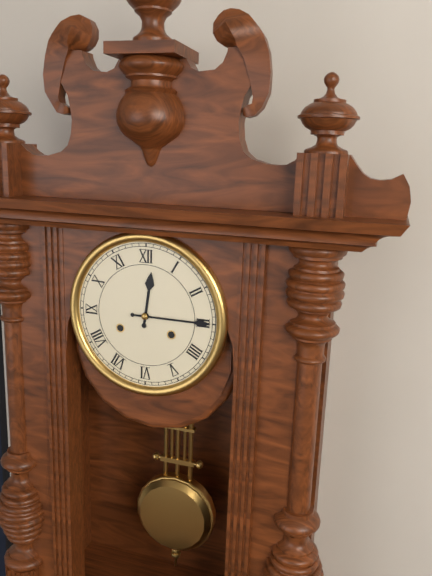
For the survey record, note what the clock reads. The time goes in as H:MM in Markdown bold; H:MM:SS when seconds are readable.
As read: **12:15**
